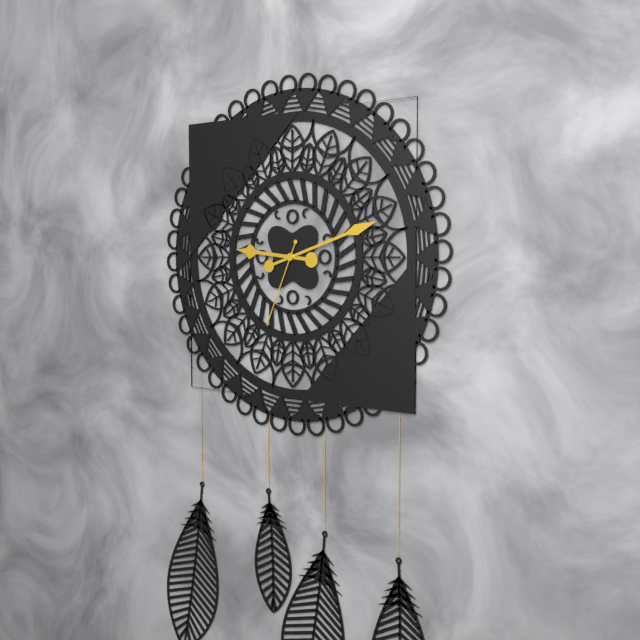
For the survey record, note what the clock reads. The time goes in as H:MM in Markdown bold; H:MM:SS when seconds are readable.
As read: **9:12:34**
